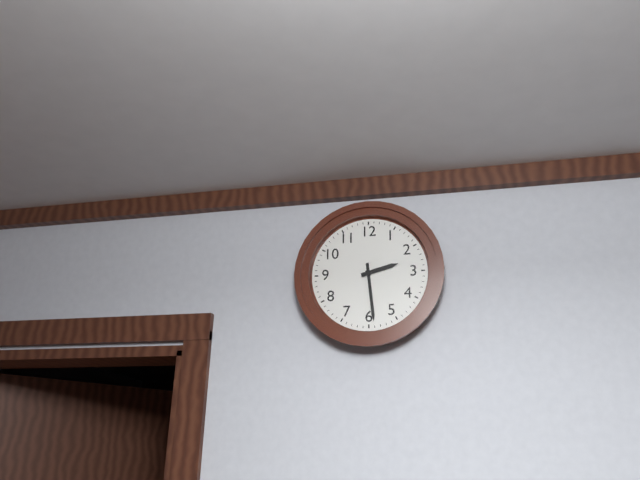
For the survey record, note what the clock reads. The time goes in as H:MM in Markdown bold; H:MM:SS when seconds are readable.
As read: **2:29**
